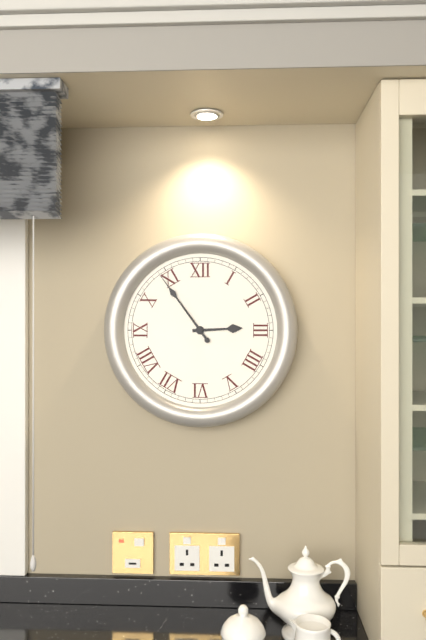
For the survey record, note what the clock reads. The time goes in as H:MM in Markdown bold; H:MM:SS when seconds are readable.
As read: **2:54**
